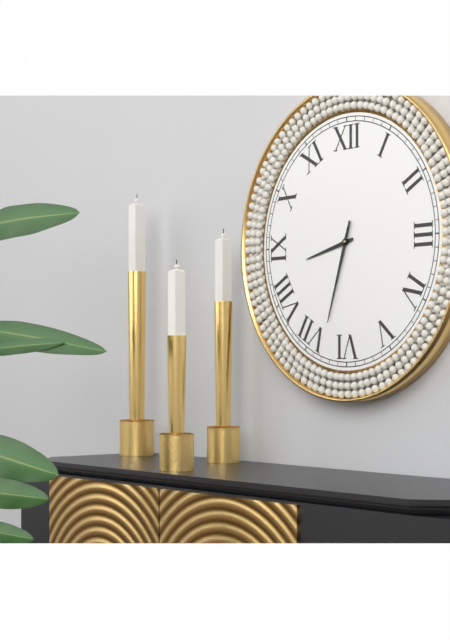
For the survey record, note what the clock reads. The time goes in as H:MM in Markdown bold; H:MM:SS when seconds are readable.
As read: **8:33**
